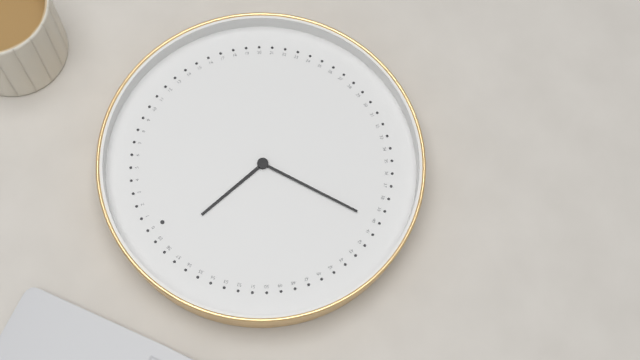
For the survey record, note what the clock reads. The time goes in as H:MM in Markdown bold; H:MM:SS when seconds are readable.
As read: **11:40**
